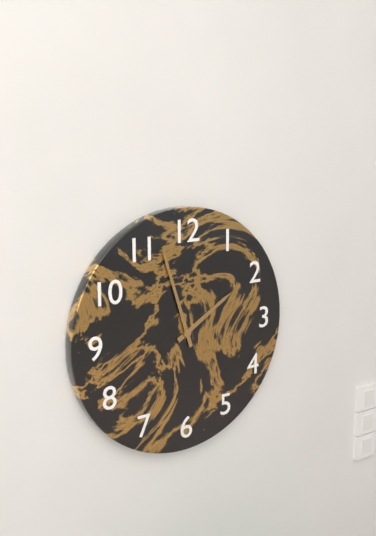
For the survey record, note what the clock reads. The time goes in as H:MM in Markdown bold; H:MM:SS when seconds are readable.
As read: **1:57**
